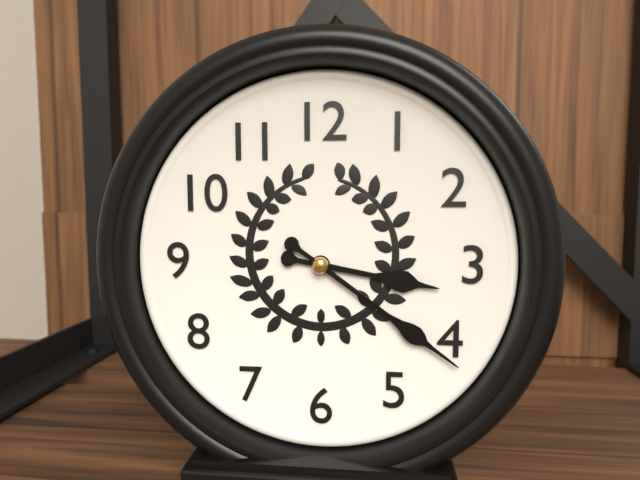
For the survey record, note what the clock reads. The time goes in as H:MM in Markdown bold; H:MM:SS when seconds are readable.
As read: **3:21**
